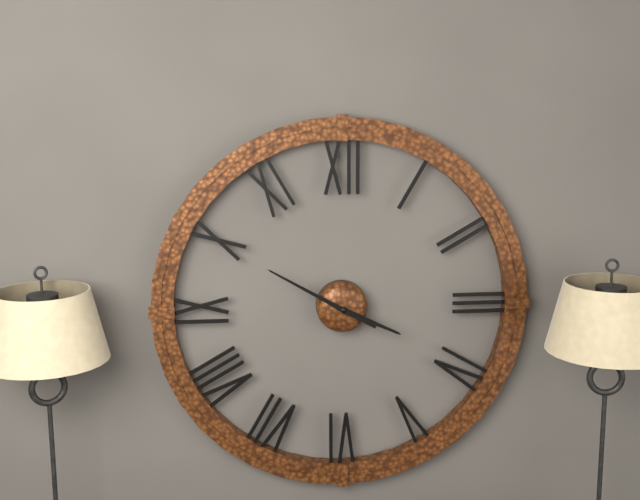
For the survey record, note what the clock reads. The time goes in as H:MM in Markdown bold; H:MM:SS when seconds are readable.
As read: **3:50**
